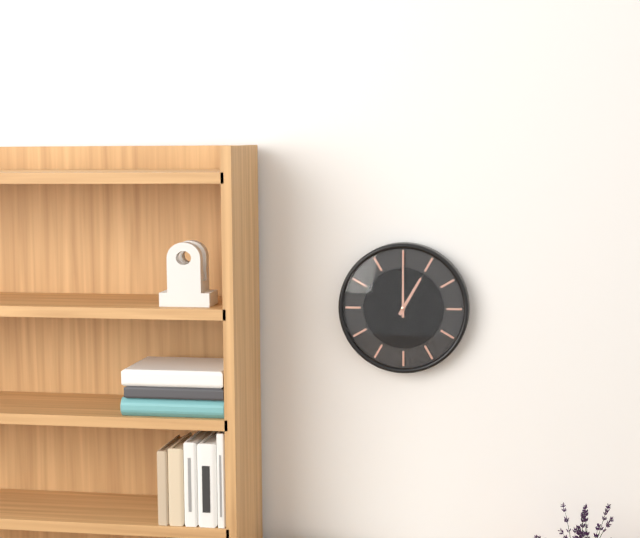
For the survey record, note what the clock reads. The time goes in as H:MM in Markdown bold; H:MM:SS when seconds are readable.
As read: **1:00**
